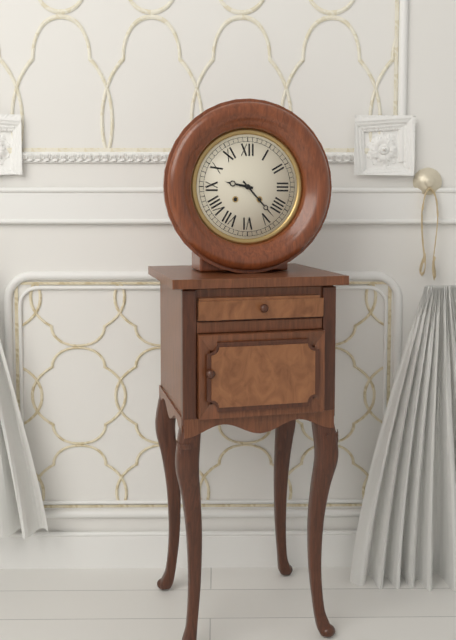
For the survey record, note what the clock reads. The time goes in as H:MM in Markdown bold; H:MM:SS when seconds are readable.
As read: **9:23**
